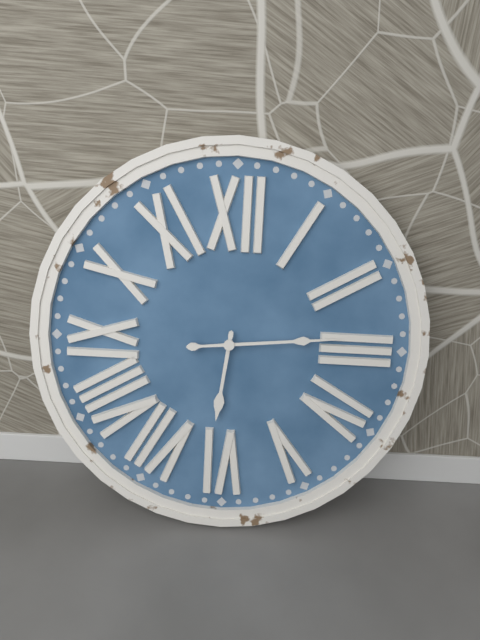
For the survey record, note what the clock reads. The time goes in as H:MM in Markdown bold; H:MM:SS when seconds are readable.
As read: **6:14**
